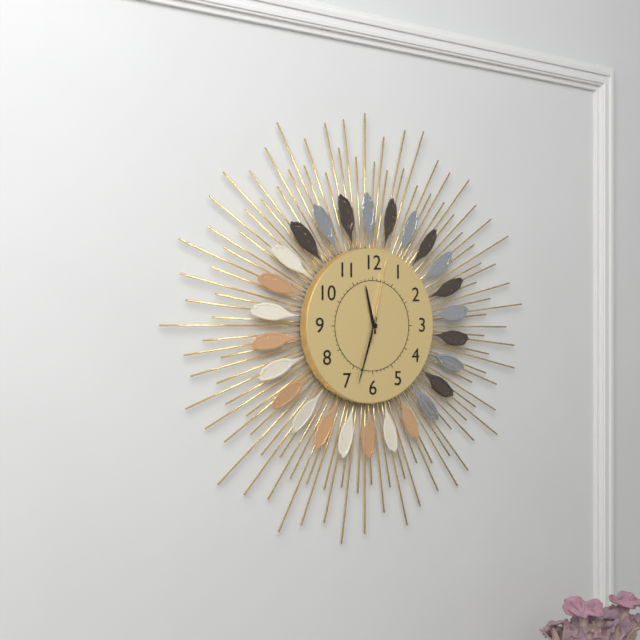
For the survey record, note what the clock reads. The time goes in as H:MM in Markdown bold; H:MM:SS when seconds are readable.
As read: **11:33:02**
